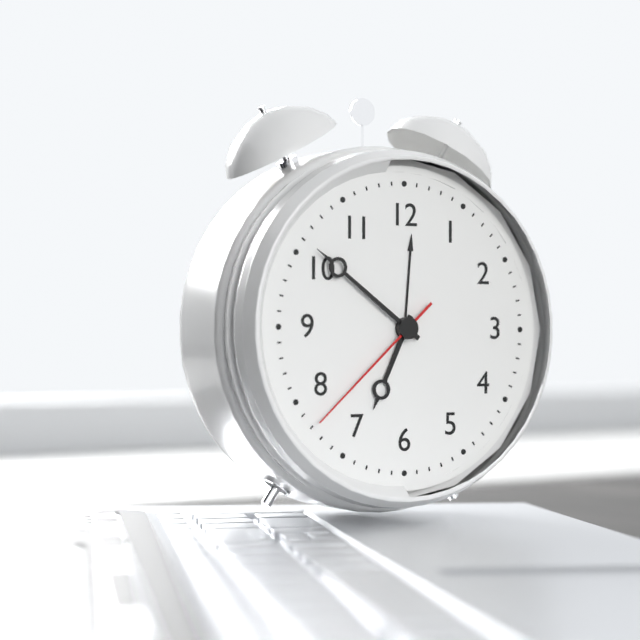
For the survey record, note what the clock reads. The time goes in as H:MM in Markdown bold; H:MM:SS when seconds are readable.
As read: **6:51:38**
